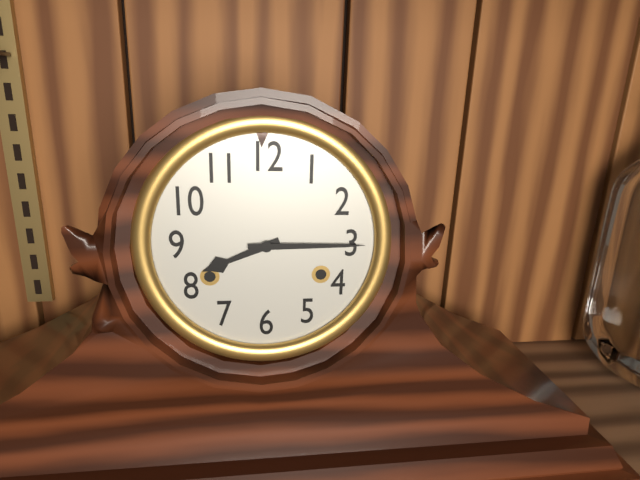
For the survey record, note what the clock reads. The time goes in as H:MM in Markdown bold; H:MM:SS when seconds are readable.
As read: **8:15**
